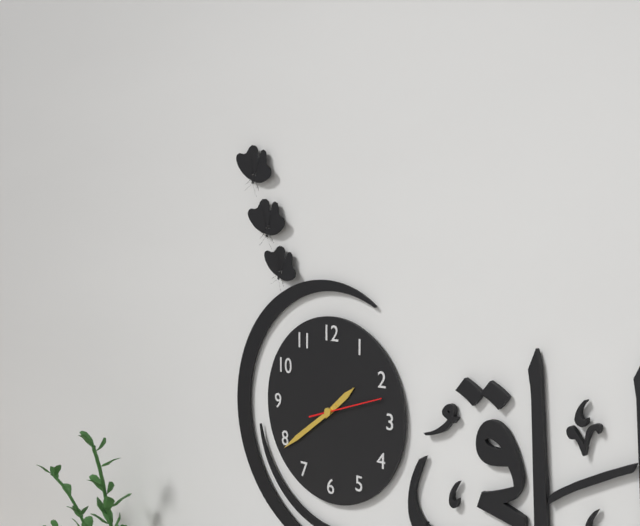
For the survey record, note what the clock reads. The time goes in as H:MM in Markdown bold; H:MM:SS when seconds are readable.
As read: **1:39:12**
